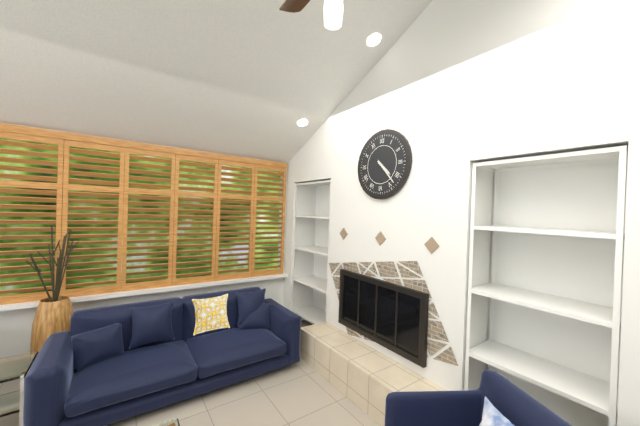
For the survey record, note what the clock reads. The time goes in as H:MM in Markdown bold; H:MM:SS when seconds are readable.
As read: **4:23**
